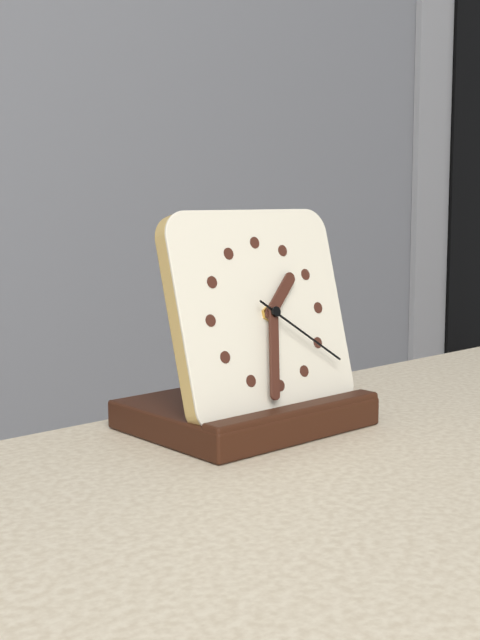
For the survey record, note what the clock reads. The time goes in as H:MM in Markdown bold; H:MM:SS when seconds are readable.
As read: **1:32:21**
